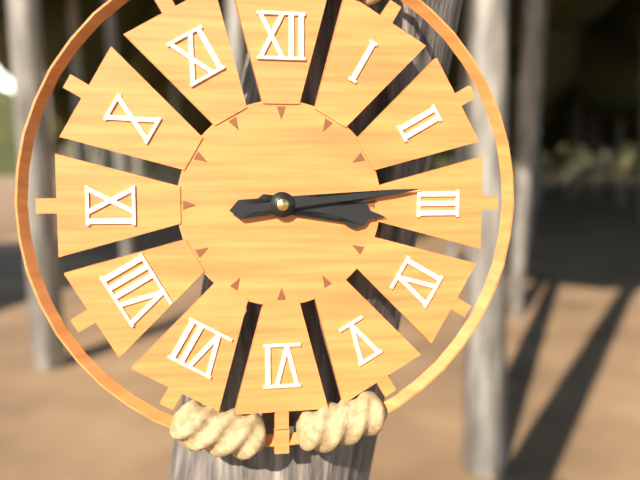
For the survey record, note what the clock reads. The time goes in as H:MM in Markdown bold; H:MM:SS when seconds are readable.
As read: **3:14**
